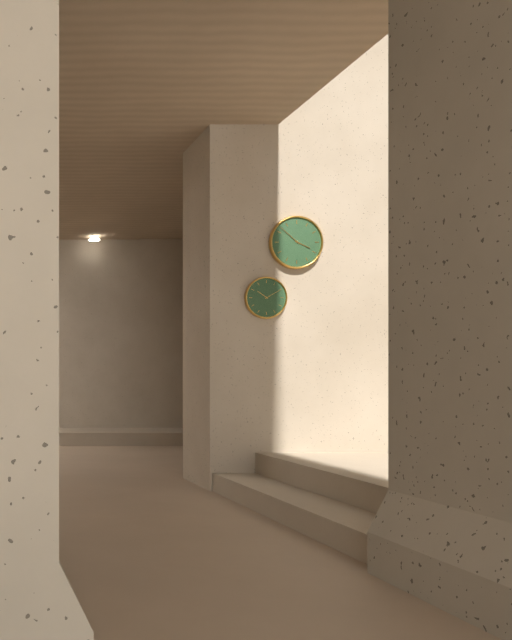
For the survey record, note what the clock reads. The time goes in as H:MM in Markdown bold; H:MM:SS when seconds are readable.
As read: **3:52**
